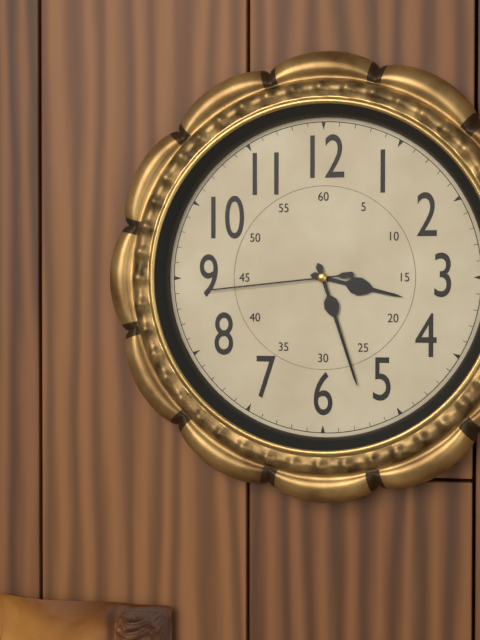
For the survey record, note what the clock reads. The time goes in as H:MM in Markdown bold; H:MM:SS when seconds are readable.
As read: **3:27:44**
